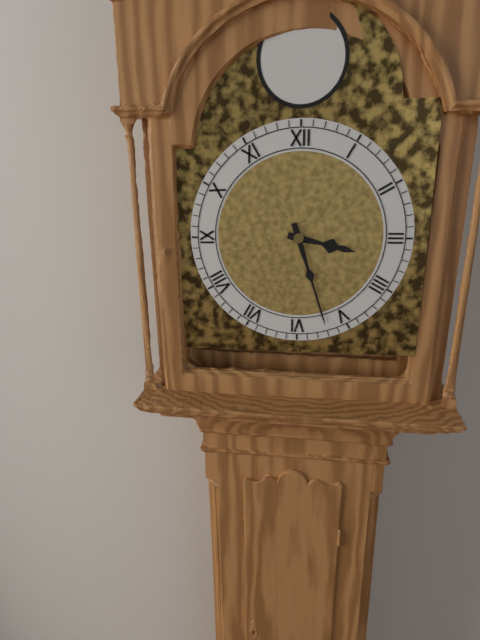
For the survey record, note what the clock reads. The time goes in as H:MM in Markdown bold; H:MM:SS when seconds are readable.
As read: **3:27**
